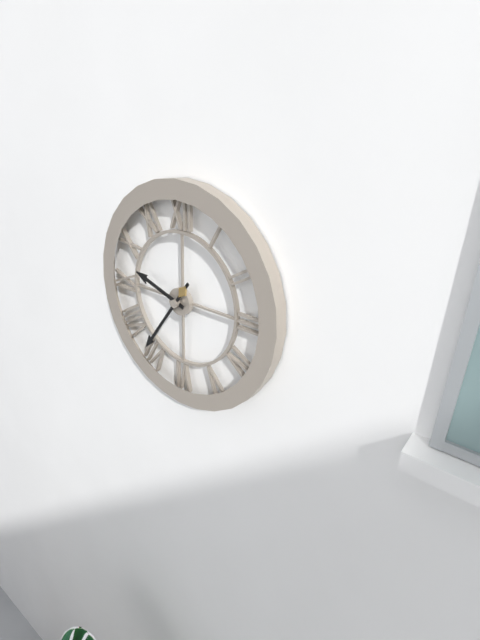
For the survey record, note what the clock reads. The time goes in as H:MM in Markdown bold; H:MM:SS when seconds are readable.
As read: **9:36**
